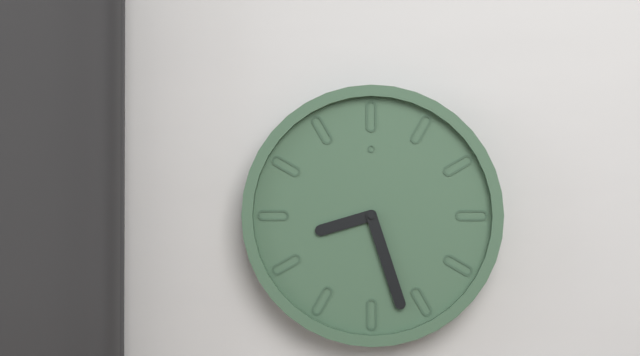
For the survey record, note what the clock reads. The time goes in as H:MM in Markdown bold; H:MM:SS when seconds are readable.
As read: **8:27**
